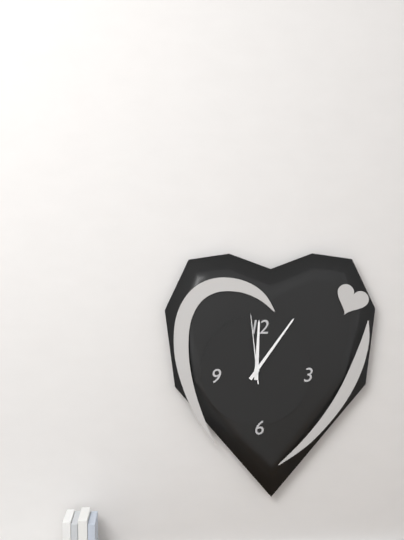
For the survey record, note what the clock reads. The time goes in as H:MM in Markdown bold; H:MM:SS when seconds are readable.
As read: **12:06:59**
